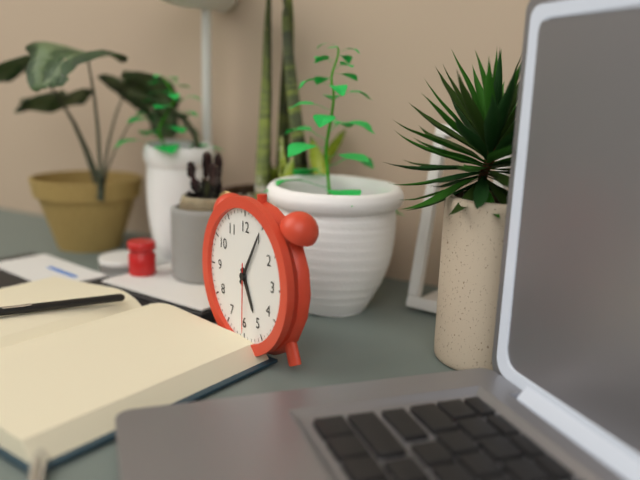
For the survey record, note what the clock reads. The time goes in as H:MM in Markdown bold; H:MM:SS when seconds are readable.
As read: **5:05:30**
